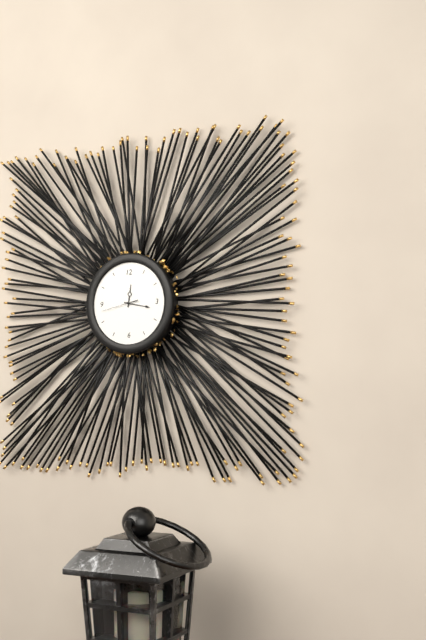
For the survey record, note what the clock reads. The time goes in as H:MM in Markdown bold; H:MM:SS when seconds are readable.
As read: **12:17**
